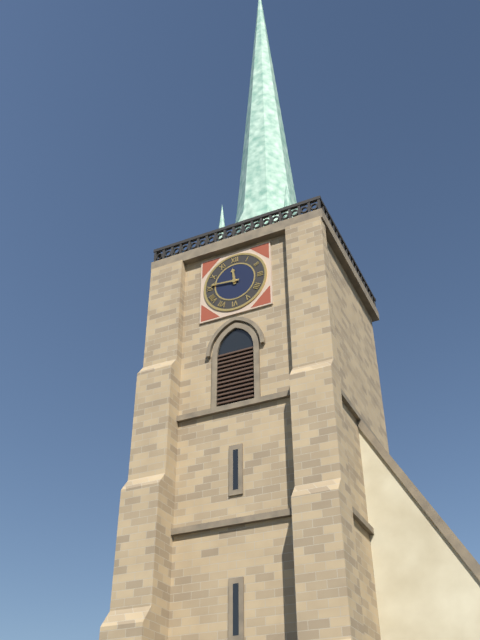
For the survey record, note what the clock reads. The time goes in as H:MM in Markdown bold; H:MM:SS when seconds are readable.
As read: **11:46**
